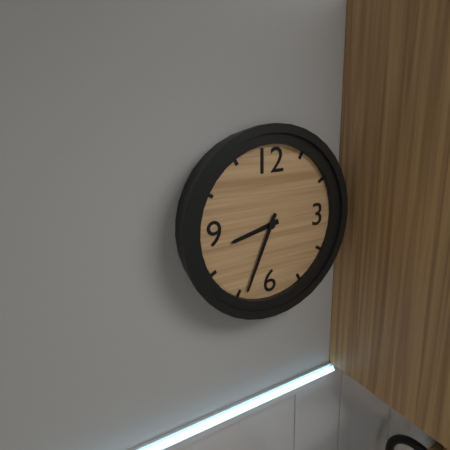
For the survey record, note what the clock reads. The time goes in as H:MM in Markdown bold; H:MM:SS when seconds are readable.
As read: **8:34**
